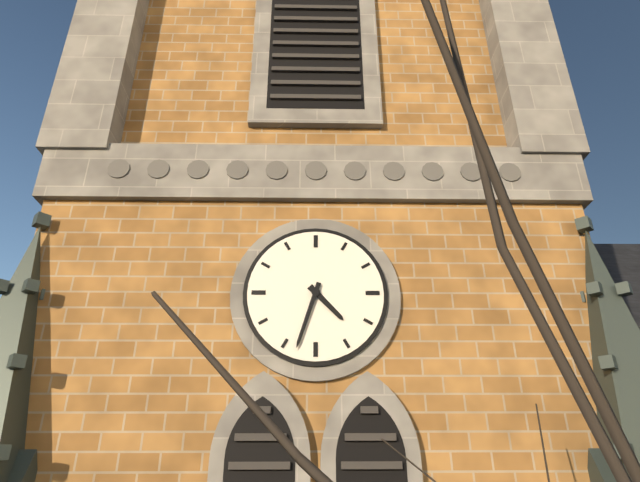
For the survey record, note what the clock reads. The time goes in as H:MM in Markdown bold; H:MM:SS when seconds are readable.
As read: **4:33**
